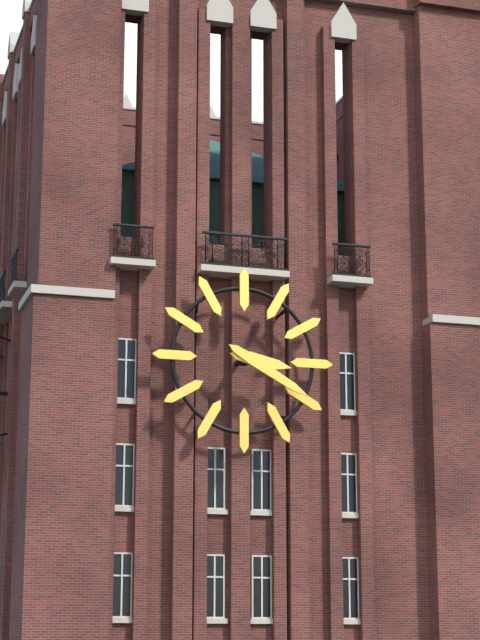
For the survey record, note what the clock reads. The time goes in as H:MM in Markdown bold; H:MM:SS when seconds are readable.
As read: **3:20**
